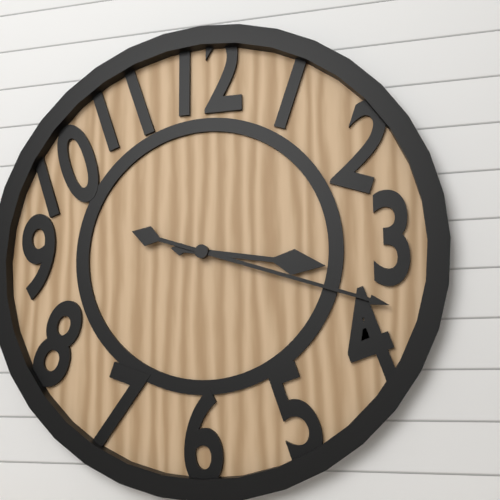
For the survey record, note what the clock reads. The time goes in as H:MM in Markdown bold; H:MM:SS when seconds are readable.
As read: **3:18**
